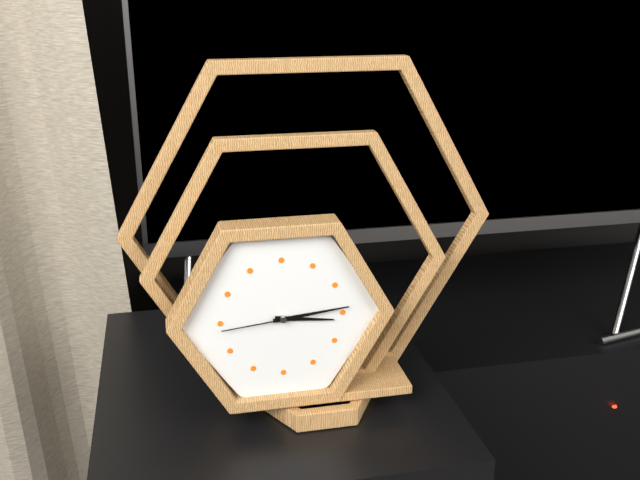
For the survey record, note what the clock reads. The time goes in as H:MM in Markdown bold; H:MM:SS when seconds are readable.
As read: **3:14:44**
